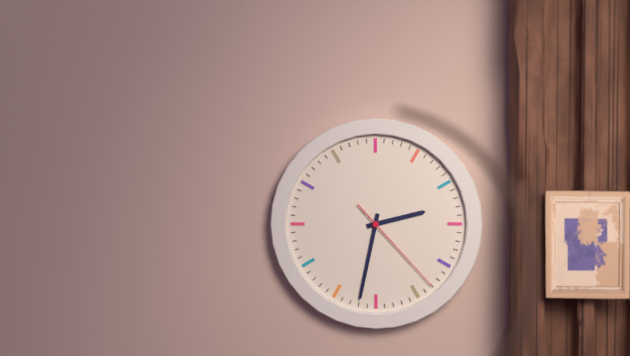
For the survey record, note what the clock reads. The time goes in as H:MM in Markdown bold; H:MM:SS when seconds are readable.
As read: **2:32:23**
